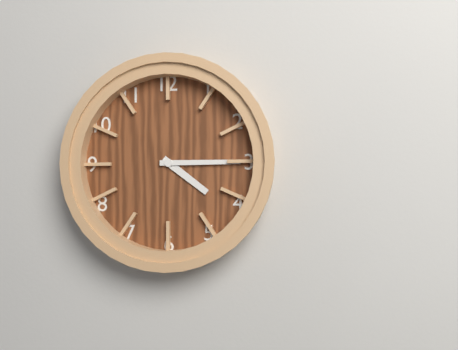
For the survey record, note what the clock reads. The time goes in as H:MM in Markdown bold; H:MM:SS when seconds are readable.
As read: **4:15**
